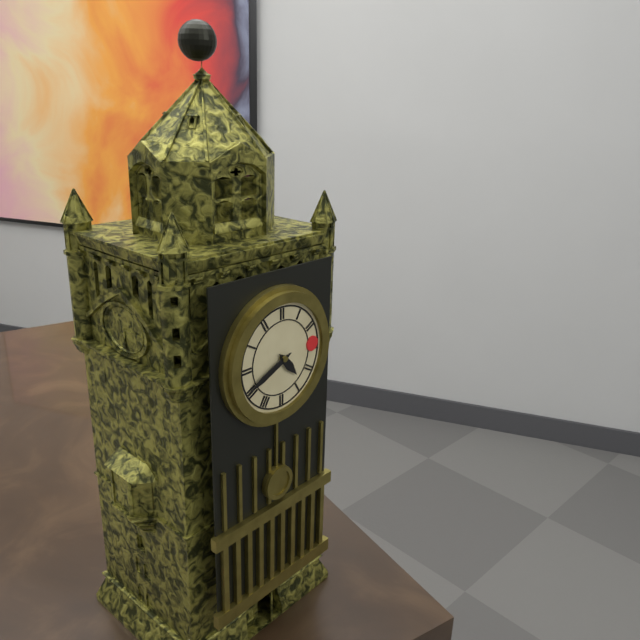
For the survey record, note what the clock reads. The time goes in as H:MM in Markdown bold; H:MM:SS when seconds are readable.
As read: **4:41**
